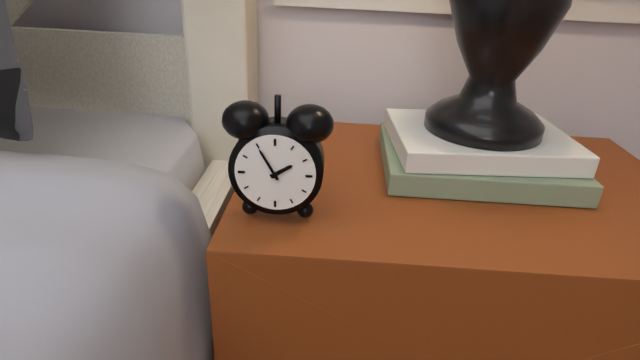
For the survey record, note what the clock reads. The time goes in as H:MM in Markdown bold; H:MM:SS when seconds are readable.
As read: **1:55**
